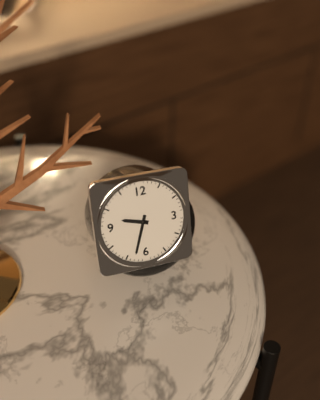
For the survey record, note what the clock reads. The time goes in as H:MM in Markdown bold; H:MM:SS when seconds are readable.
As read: **9:33**
